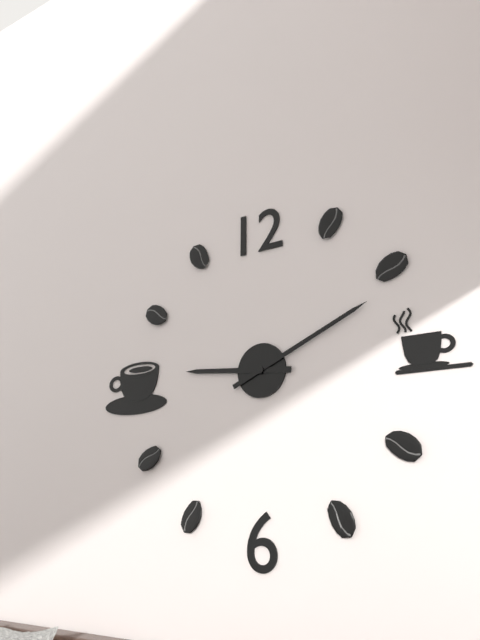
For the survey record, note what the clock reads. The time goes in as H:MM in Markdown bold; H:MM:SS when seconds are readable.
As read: **9:11**
